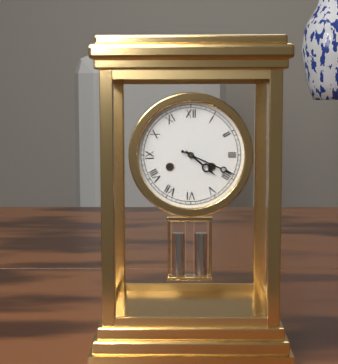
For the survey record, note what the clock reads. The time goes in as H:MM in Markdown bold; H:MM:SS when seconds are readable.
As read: **4:19**
